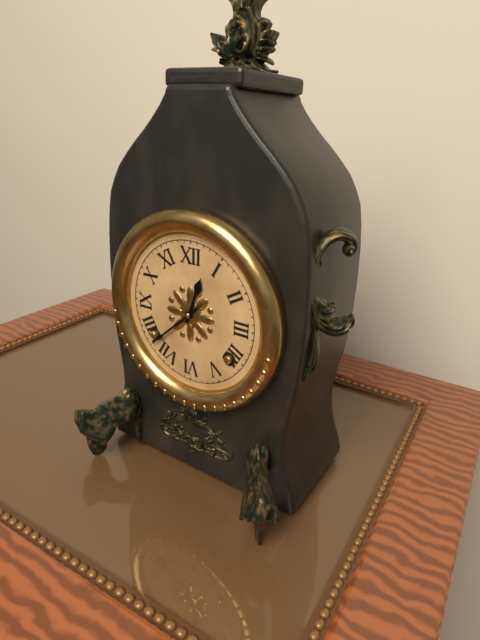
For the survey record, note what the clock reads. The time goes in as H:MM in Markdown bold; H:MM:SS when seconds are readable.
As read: **12:38**
